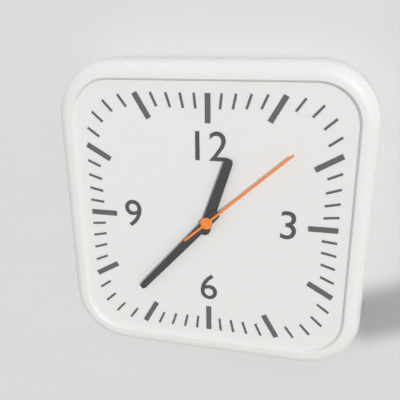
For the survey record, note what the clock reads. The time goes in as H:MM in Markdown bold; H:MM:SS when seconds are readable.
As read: **12:37:08**
